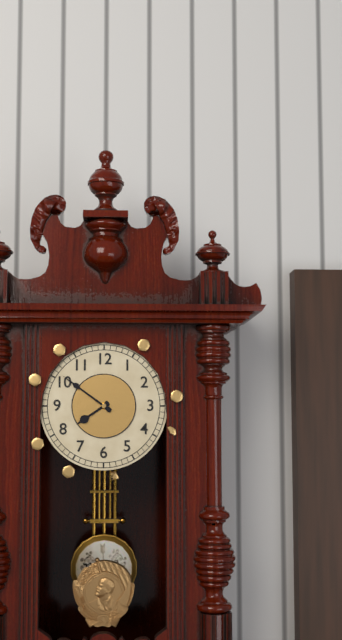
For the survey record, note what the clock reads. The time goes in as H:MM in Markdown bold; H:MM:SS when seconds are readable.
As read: **7:51**
